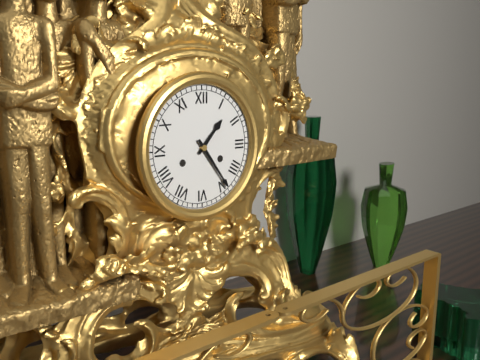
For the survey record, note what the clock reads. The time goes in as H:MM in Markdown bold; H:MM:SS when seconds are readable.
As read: **1:24**
